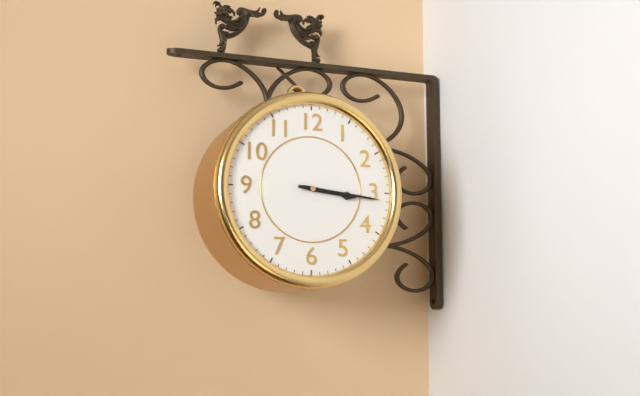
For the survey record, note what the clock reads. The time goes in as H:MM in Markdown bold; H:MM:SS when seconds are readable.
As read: **3:16**
